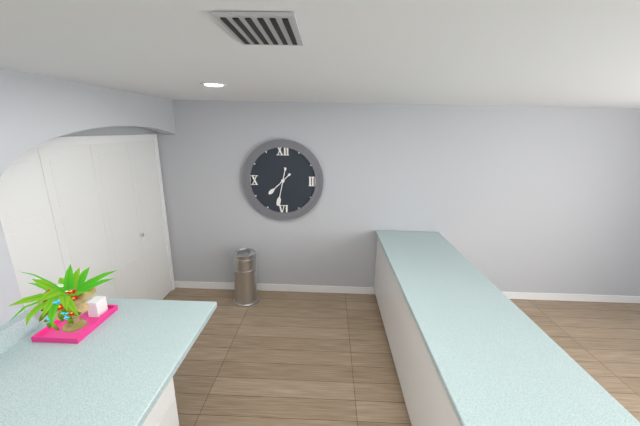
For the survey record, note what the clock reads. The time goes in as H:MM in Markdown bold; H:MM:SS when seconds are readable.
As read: **7:32**
